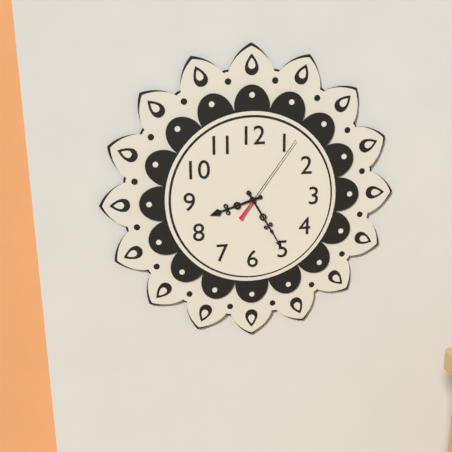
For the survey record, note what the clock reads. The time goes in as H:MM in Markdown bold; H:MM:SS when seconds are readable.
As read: **8:25:06**
